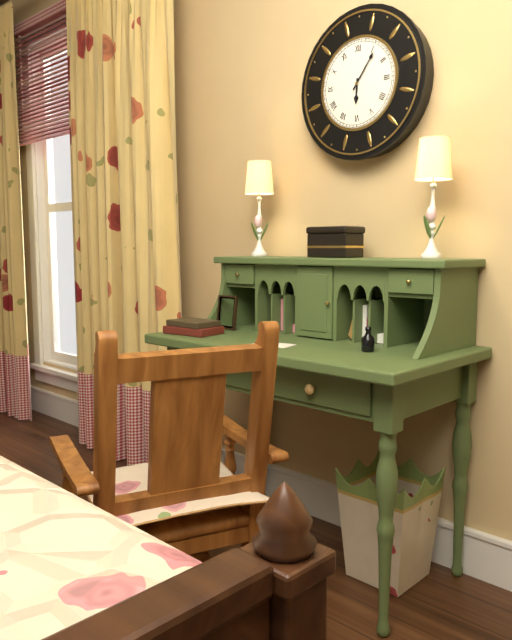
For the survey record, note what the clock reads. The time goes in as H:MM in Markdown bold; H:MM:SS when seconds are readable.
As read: **6:06**
